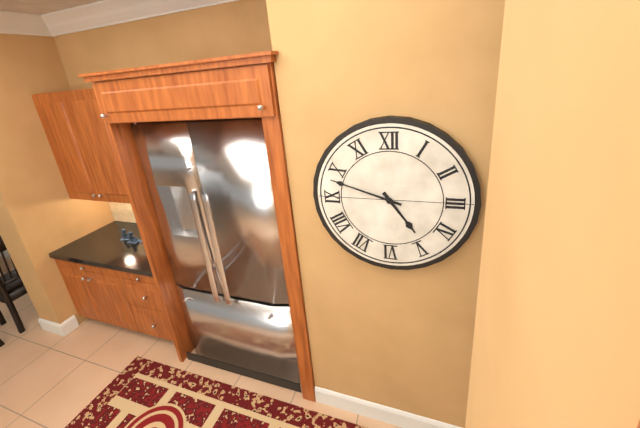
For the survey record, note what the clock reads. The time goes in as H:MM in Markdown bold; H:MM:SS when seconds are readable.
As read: **4:48**
